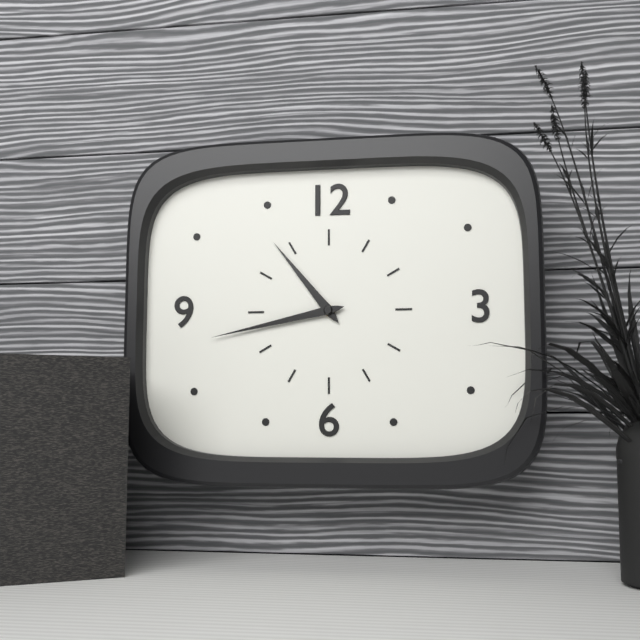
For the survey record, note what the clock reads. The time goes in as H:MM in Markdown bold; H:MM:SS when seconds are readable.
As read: **10:43**
